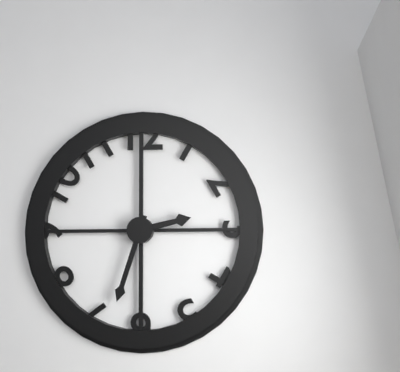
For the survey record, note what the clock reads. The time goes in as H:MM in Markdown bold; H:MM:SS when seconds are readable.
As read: **2:33**
